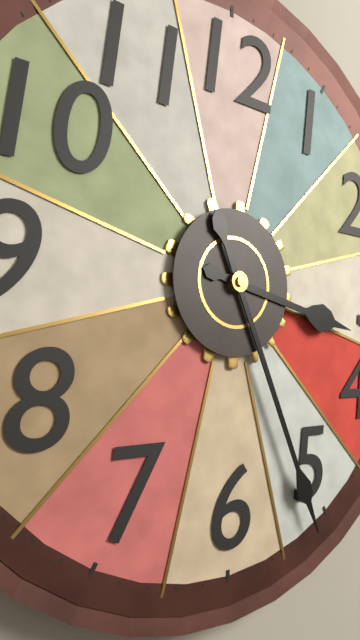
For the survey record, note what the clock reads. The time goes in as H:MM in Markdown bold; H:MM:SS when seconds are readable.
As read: **3:26**
